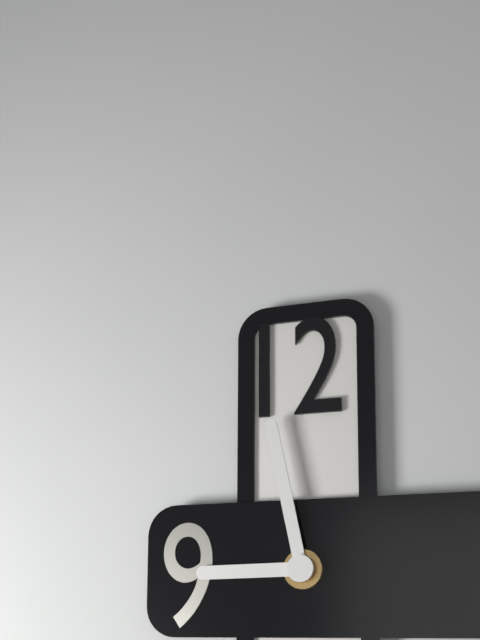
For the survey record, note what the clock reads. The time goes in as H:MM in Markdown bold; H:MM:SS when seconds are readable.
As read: **8:58**
